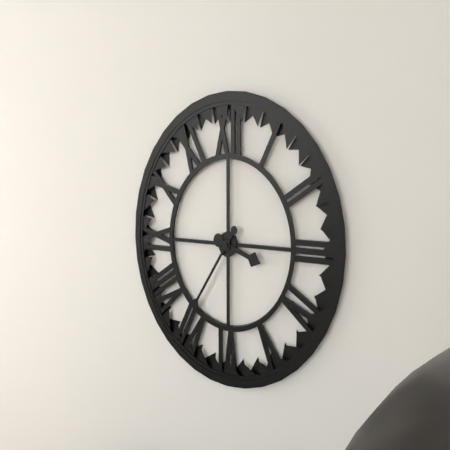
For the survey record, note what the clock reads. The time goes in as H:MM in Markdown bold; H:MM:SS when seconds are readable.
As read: **3:36**
